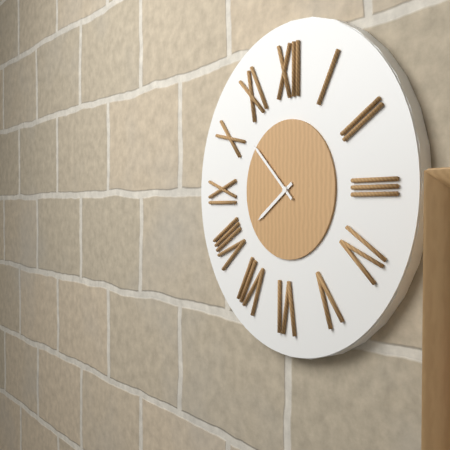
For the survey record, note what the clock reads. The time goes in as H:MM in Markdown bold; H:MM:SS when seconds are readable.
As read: **7:52**
